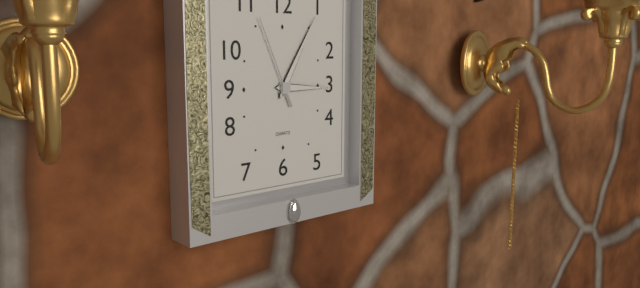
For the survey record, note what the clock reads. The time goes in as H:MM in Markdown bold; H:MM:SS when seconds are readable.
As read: **3:05:56**
